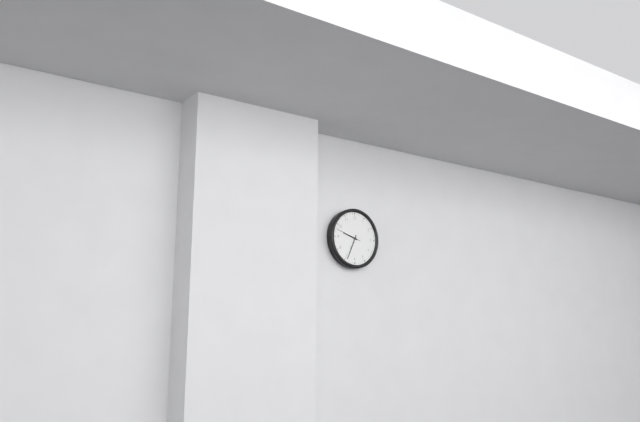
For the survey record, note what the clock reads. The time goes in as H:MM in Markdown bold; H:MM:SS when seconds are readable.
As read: **9:34**
